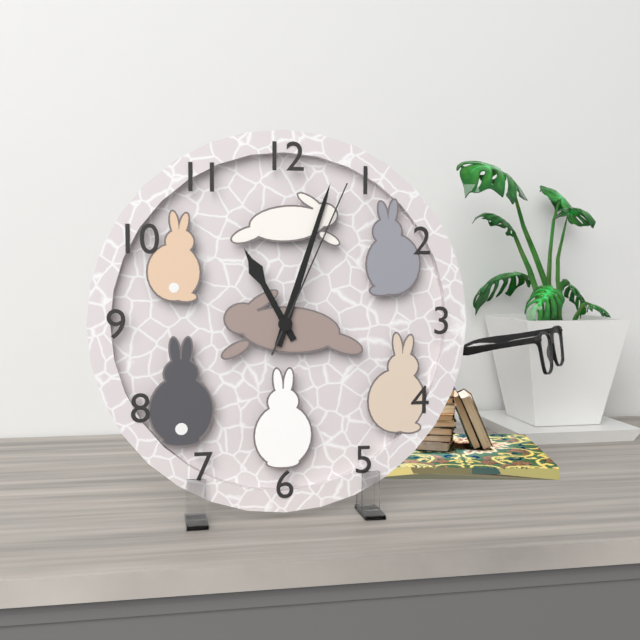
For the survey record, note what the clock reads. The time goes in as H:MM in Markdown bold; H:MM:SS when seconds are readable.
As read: **11:03:04**
